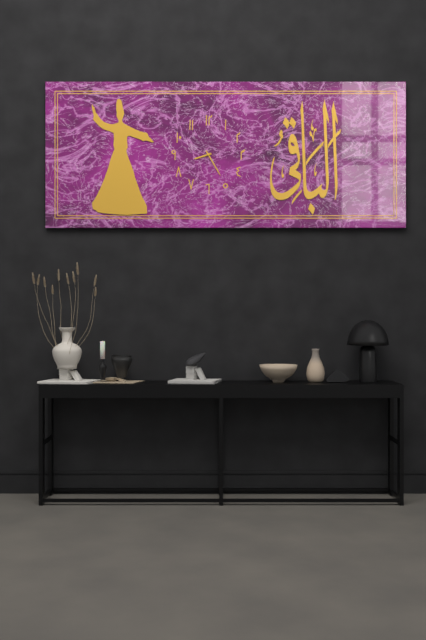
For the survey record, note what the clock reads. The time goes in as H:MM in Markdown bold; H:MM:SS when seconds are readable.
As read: **8:25**
